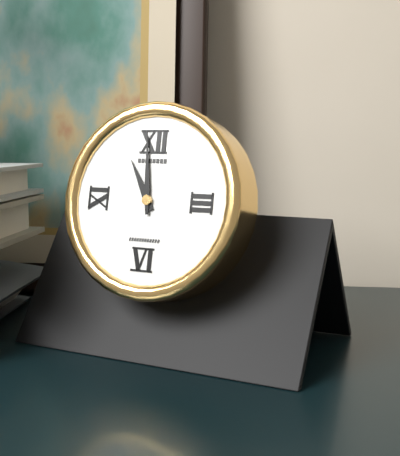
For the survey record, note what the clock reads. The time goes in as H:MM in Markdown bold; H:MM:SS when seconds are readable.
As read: **10:59**
